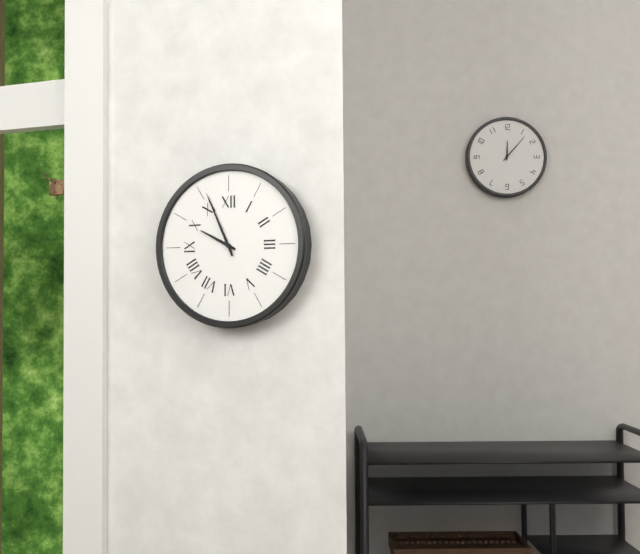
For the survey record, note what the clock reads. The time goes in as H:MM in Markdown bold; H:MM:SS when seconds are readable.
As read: **9:56**
